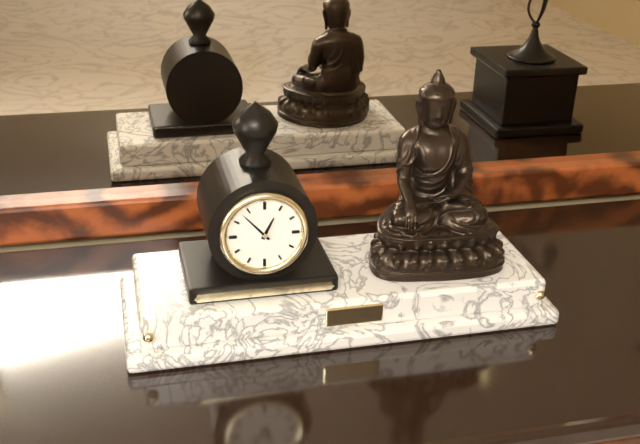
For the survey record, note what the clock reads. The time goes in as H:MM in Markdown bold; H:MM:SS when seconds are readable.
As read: **12:53**
